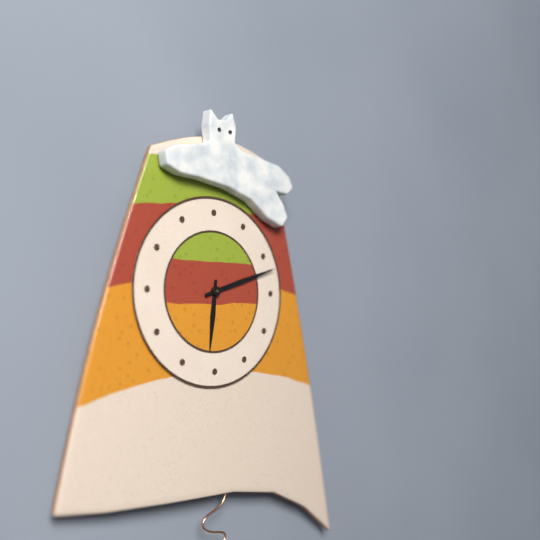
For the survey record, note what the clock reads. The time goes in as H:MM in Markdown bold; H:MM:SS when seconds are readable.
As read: **6:12**
